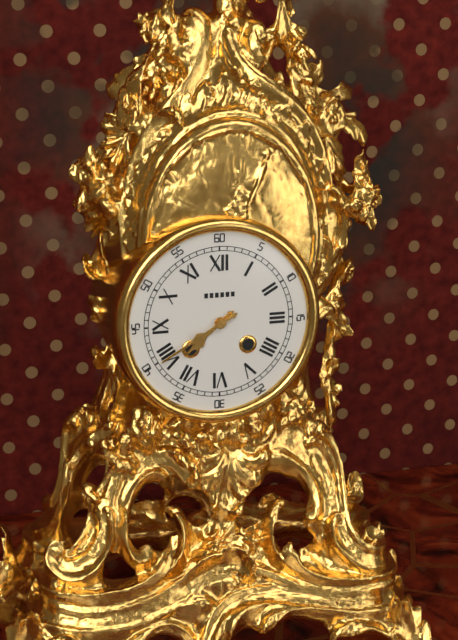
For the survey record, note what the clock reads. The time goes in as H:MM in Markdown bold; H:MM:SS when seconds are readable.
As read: **7:40**
